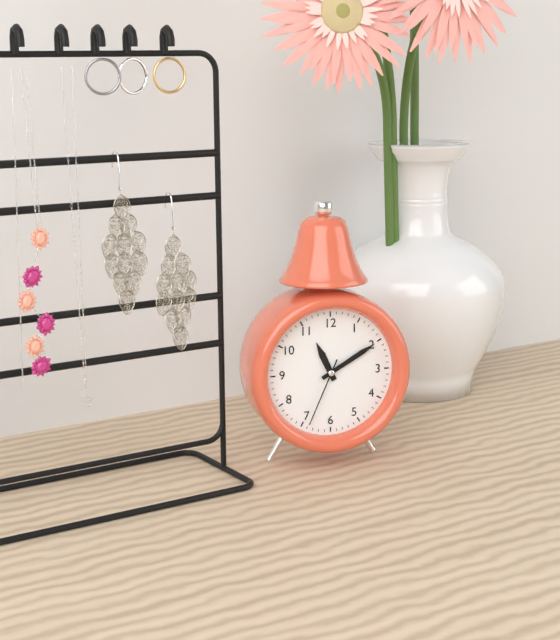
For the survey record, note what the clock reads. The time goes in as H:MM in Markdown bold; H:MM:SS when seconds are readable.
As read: **11:10:34**
